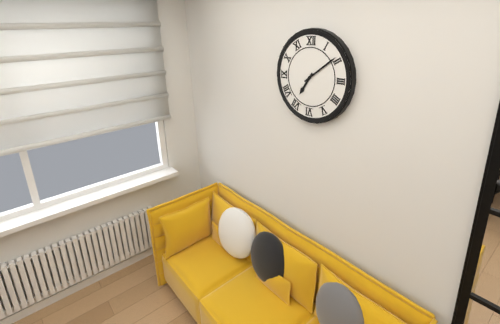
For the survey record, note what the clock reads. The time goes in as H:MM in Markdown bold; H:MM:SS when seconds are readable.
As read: **7:09**
